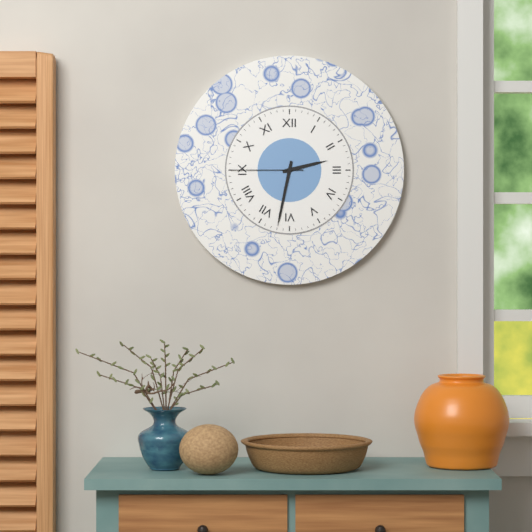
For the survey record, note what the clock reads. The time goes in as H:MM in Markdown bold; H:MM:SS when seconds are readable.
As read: **2:32:45**
